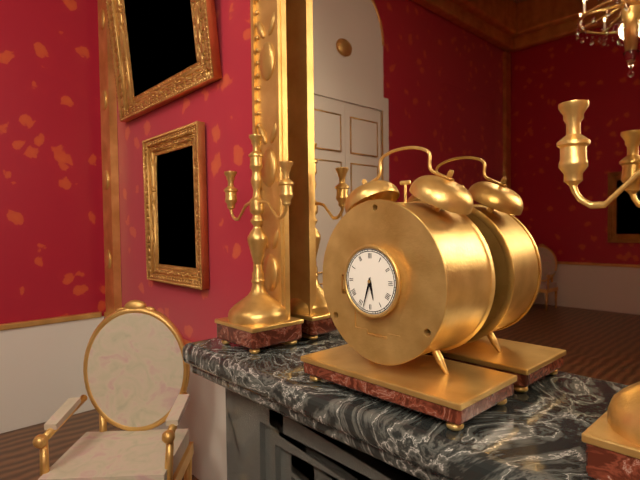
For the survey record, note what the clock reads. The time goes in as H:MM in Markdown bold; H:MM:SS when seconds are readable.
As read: **5:33**
